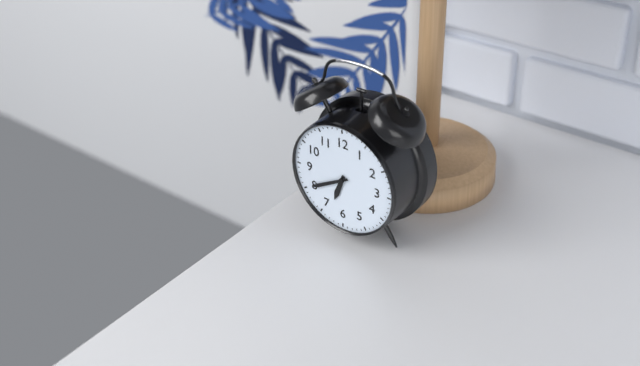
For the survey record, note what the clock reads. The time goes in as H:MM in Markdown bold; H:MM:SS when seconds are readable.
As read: **6:40**
